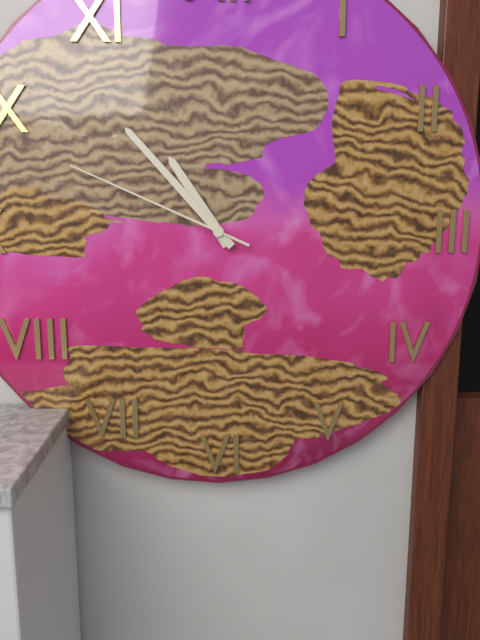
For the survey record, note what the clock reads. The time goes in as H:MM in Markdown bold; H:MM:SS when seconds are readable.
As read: **10:53:49**
